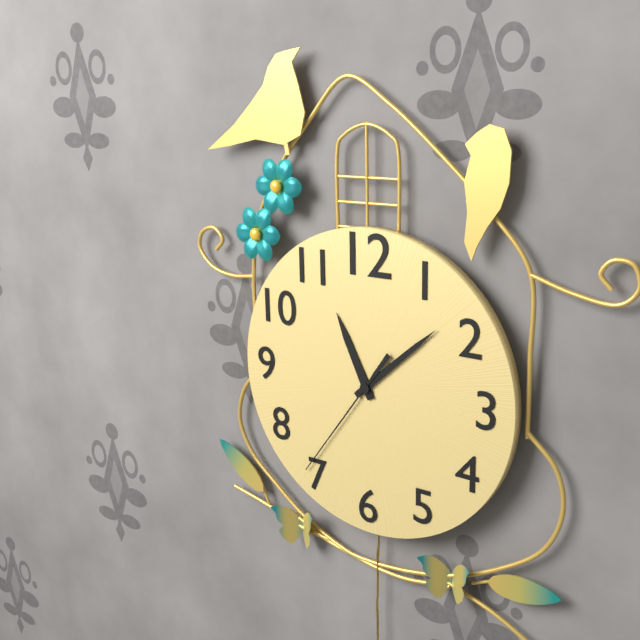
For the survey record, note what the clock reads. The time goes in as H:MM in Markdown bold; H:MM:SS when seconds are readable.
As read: **11:08:36**
